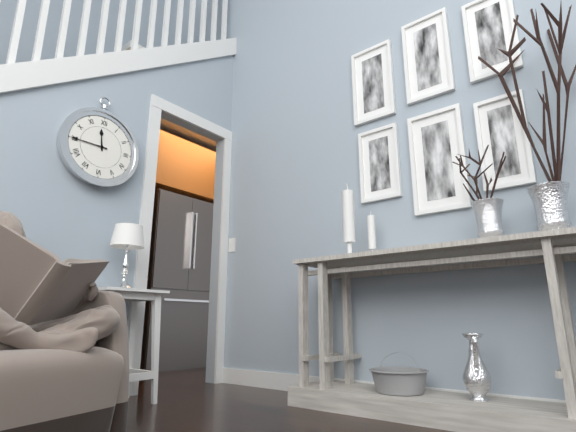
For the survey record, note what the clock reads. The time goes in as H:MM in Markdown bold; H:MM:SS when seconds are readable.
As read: **11:45**
